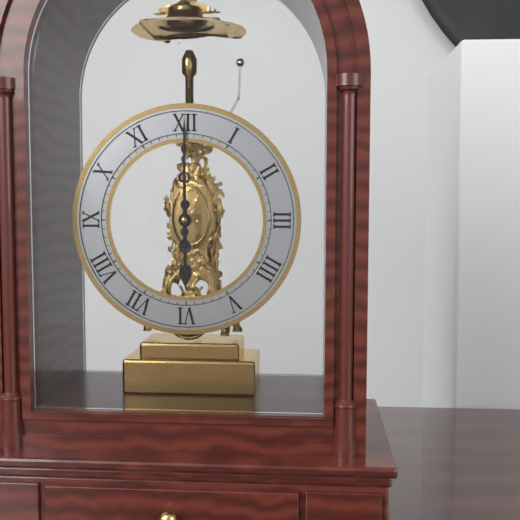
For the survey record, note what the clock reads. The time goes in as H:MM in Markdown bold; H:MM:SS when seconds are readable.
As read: **6:00**
